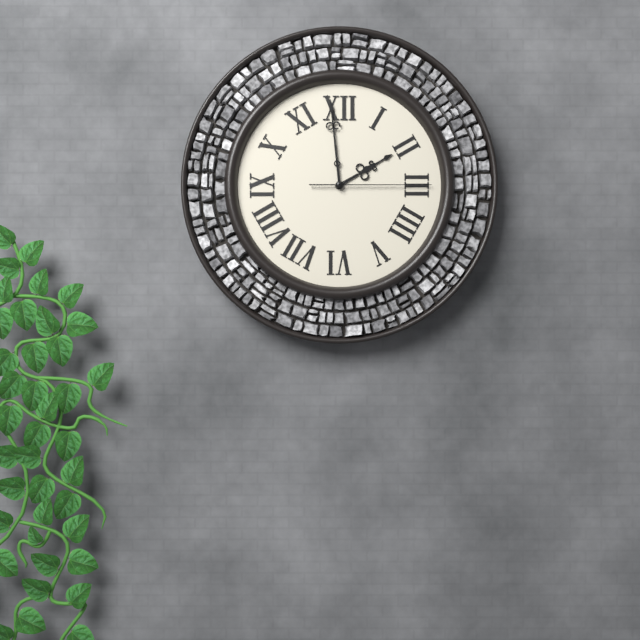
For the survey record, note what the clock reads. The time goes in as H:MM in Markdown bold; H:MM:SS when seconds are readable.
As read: **1:59:15**
